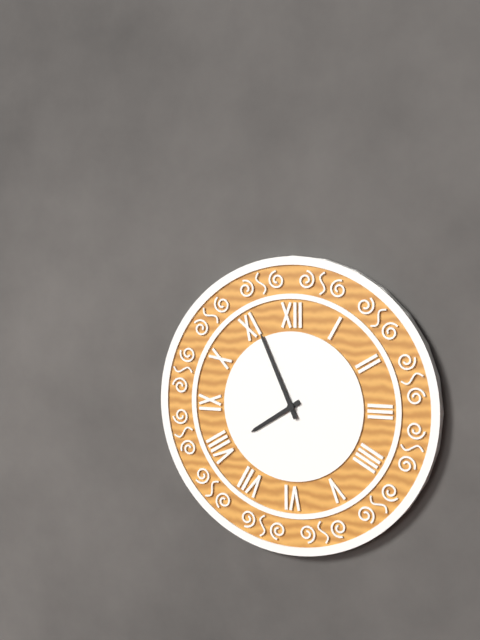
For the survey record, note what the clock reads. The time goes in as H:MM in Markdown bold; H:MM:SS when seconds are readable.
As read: **7:56**
